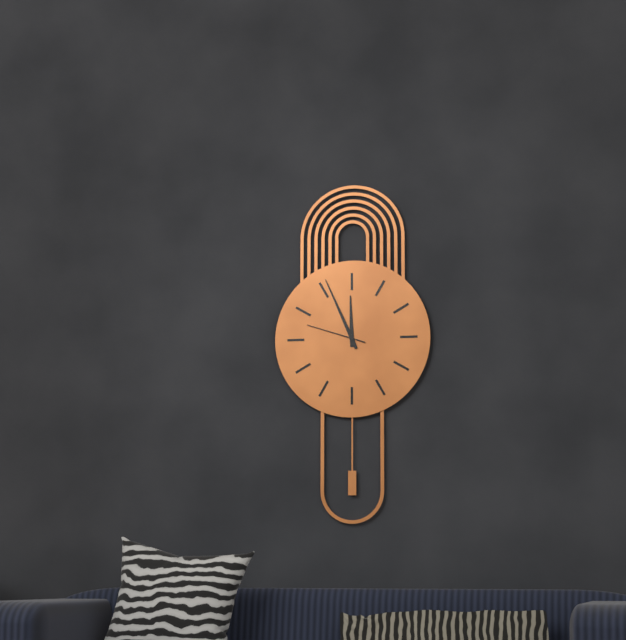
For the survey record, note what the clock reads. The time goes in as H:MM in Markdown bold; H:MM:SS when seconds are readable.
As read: **11:56:48**
